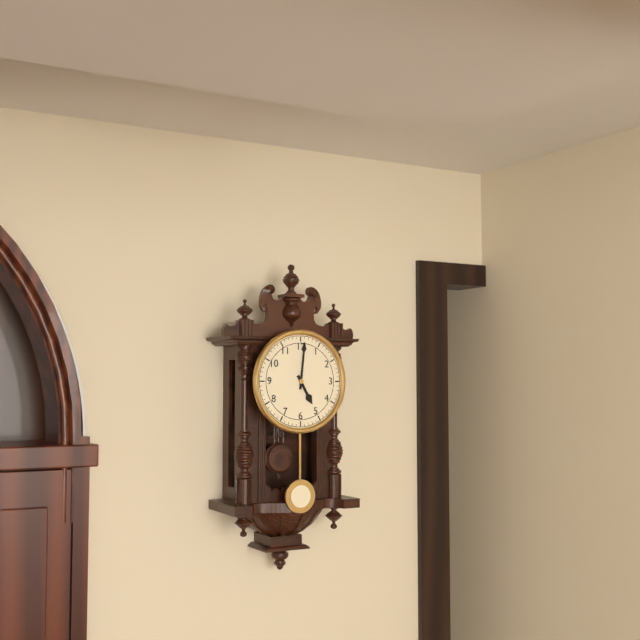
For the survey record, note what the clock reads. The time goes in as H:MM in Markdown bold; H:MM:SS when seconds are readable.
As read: **5:01**
